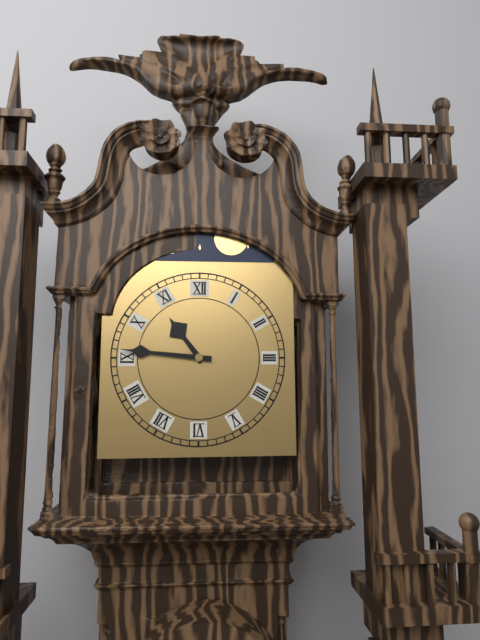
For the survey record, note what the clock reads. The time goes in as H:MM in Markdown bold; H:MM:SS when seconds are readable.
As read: **10:46**
